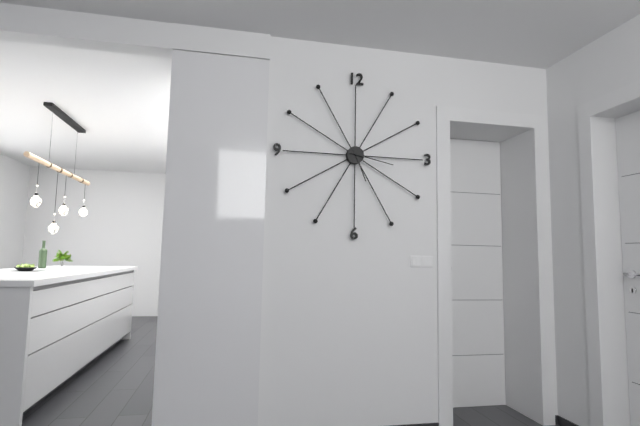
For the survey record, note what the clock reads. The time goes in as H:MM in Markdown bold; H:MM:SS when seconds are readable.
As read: **5:17**
